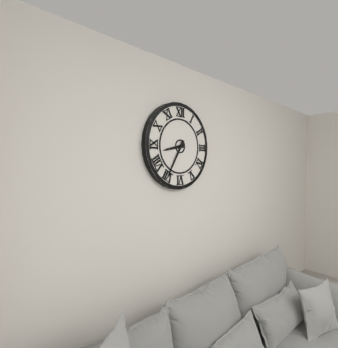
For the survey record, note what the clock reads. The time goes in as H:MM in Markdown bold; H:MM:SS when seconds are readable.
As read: **8:35**
